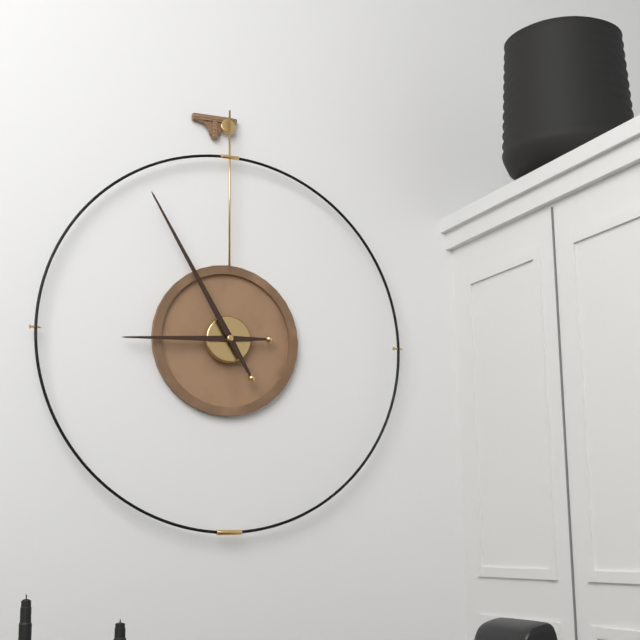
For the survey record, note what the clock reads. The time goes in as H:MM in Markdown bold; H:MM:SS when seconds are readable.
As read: **8:55**
